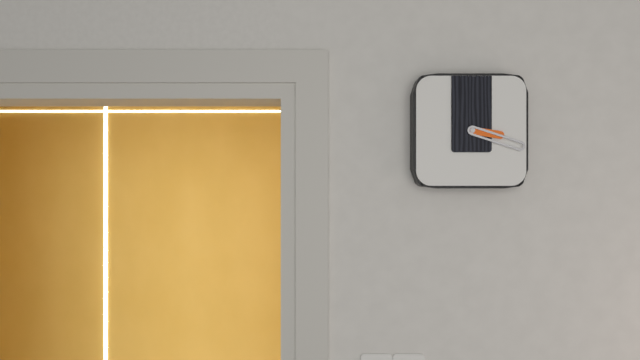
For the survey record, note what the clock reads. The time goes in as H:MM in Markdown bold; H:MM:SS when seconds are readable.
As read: **3:18**
